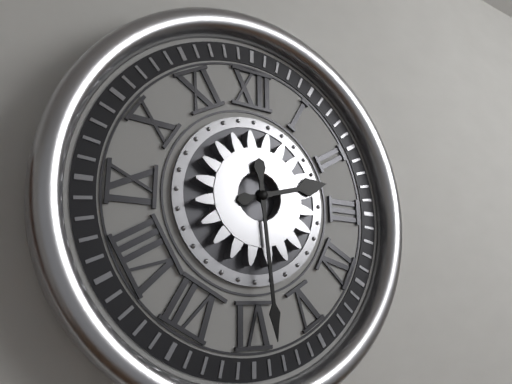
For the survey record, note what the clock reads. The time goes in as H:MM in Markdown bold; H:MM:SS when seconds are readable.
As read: **2:29**
